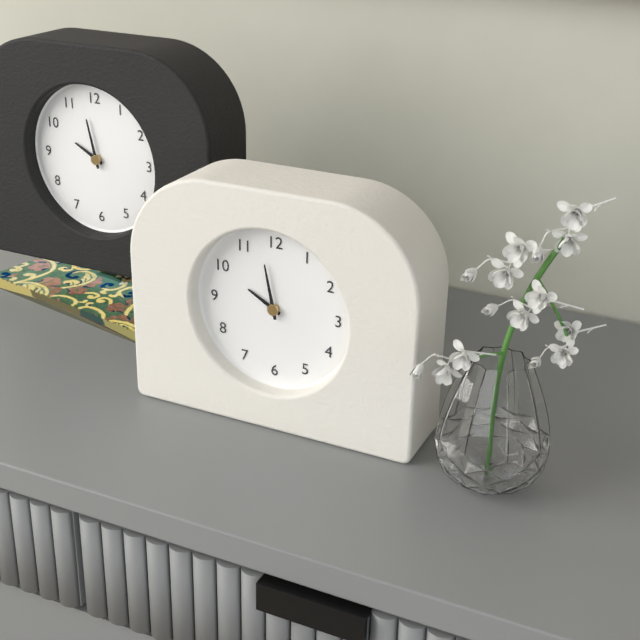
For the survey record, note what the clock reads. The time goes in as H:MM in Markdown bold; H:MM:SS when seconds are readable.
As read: **9:58**
